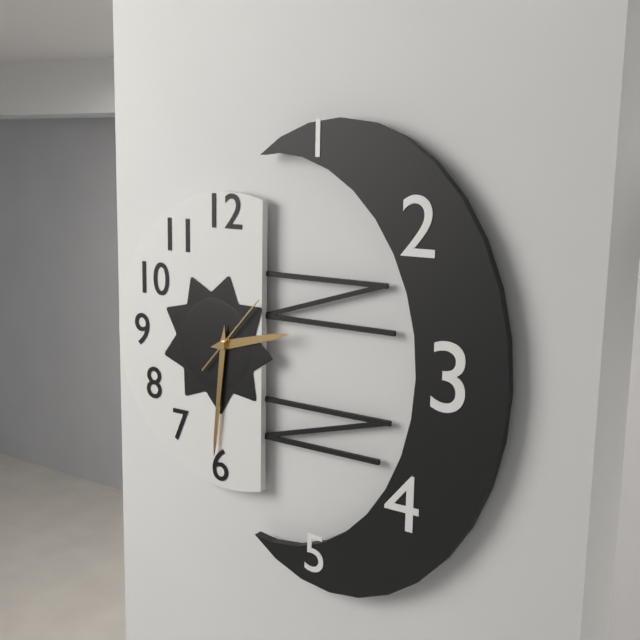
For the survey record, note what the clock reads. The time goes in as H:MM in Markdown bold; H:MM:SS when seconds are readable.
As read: **2:31:07**
